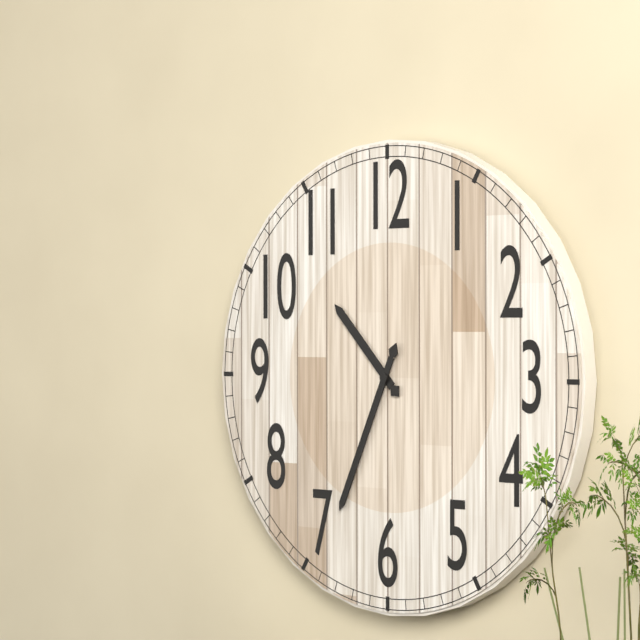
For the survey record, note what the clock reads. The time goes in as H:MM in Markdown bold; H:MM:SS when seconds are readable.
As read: **10:34**
